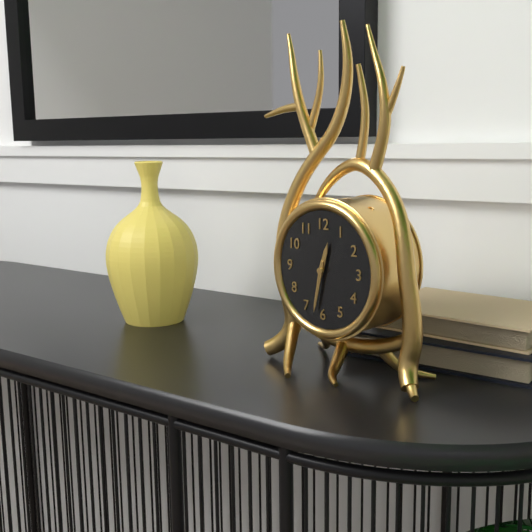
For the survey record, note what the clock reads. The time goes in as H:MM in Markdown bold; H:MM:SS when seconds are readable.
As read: **12:32**
